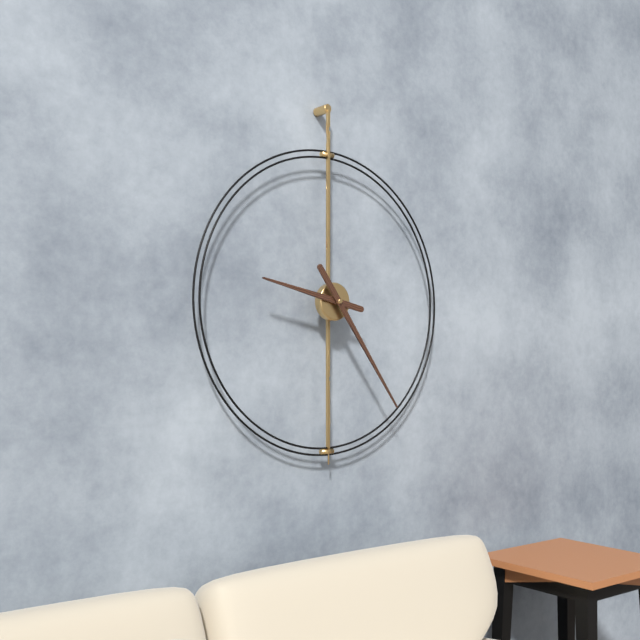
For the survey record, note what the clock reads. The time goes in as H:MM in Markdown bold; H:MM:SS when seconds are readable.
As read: **9:24**
